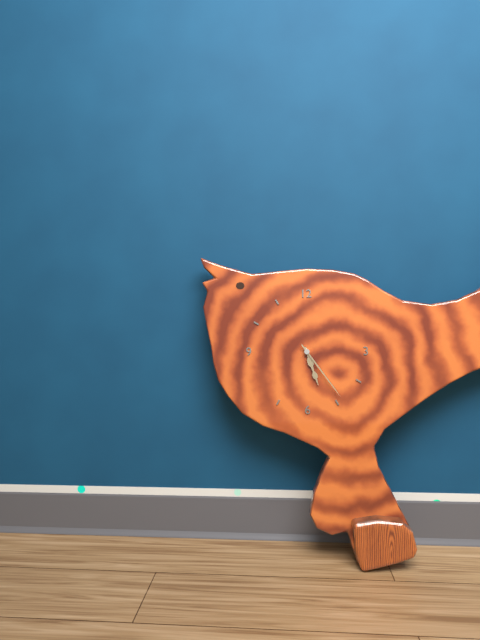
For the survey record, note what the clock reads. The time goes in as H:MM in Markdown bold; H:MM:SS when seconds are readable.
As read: **5:24**
